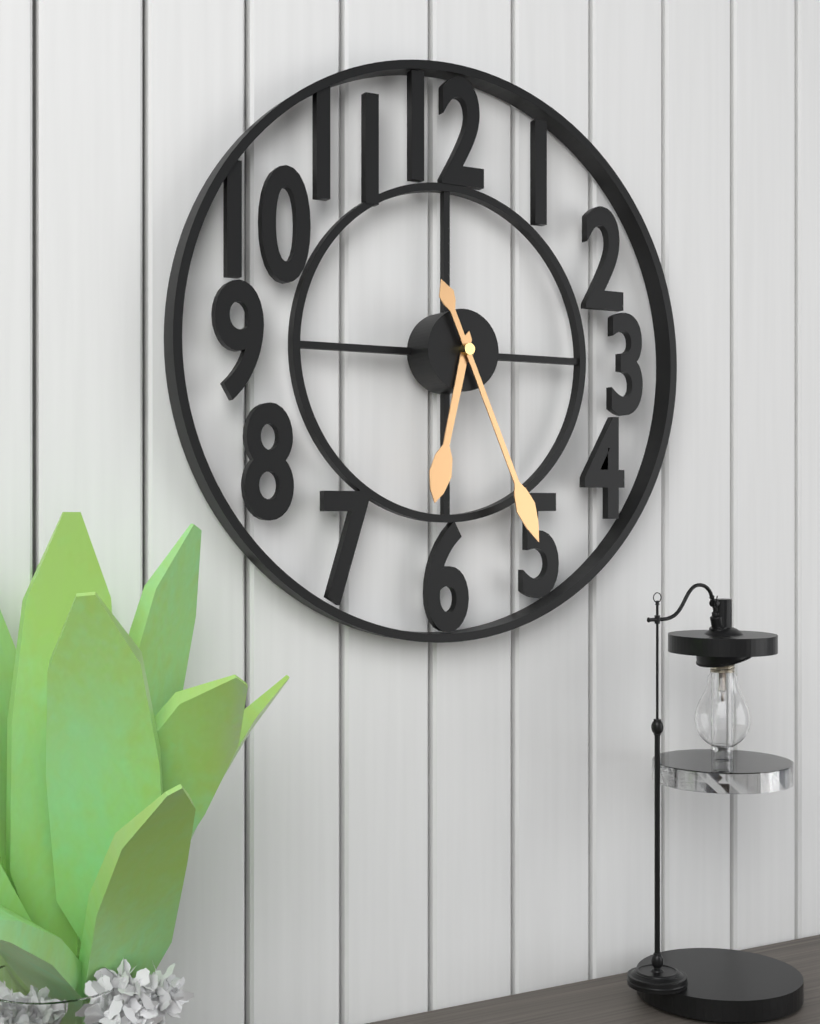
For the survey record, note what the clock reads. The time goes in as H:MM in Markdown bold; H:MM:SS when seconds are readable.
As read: **6:26**
